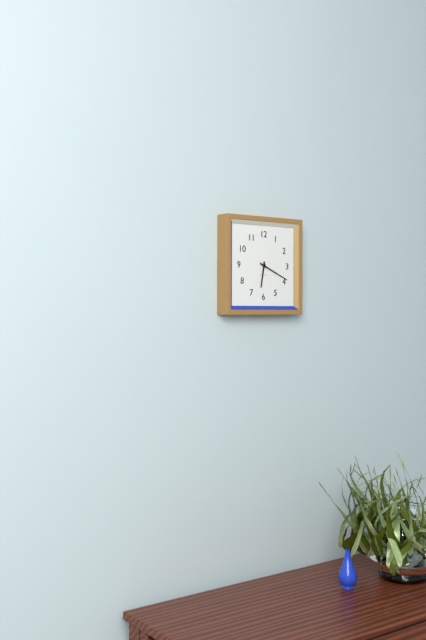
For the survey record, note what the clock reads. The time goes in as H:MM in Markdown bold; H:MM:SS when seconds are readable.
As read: **6:19**
